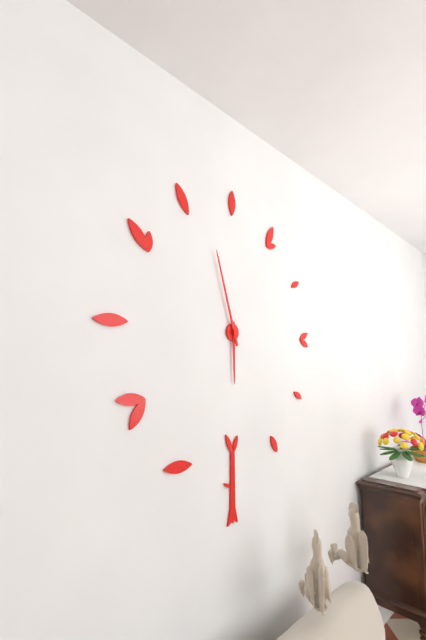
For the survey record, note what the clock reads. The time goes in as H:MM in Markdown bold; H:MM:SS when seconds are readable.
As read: **5:57**
